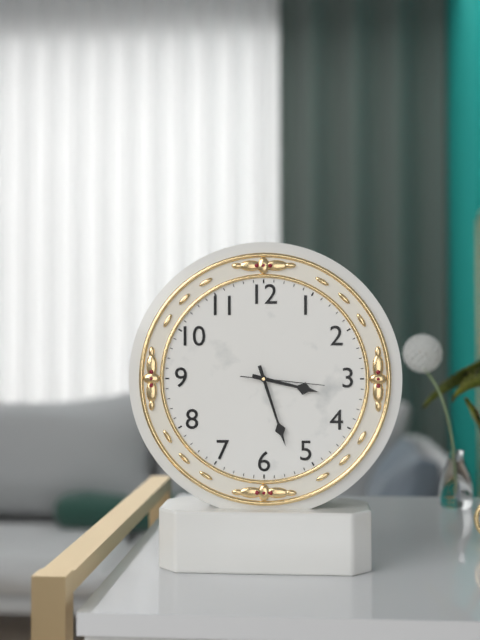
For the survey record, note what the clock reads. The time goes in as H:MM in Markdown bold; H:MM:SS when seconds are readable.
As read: **3:27:16**
